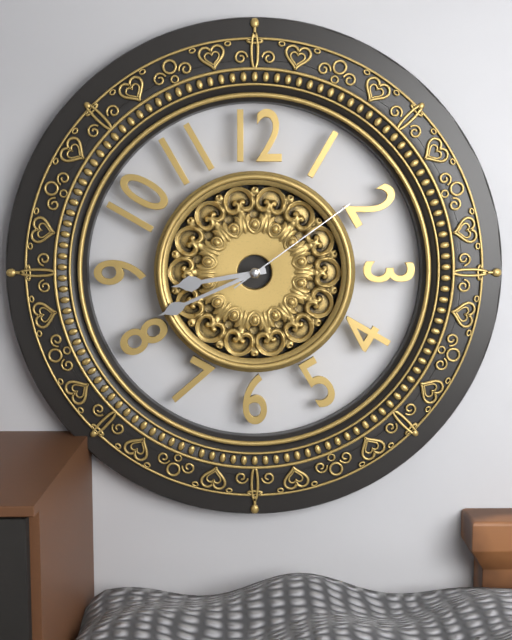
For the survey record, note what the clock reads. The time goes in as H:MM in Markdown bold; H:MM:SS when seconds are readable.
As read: **8:41:09**
